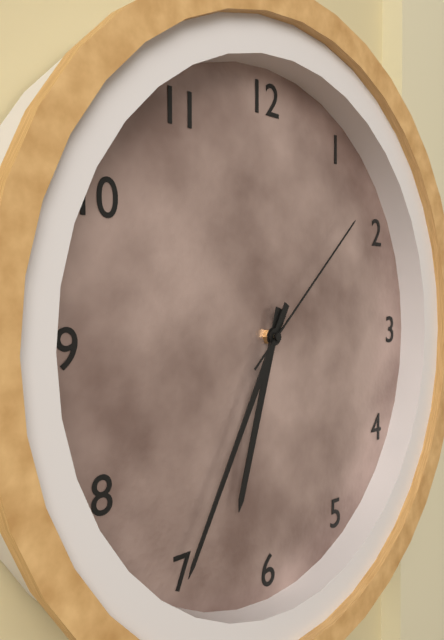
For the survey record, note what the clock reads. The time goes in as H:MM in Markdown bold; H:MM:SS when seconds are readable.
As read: **6:35:08**
